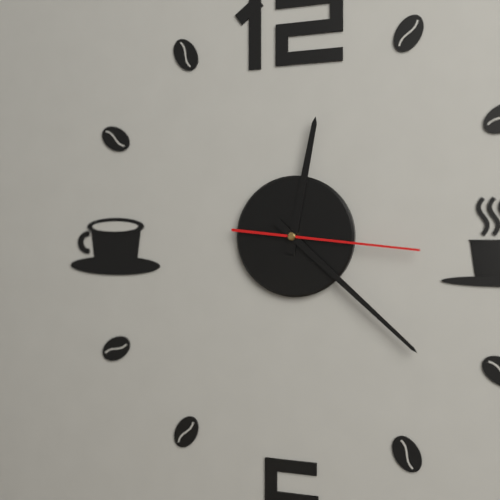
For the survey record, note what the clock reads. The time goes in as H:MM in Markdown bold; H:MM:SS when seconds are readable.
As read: **12:22:16**
